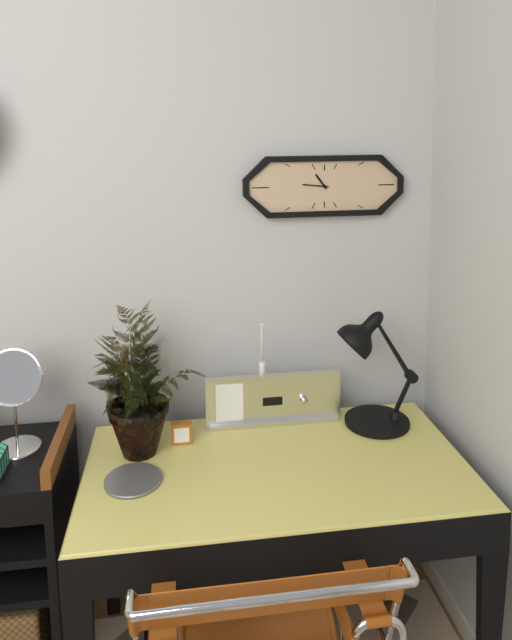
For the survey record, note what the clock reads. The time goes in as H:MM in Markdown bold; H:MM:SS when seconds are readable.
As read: **10:46**
